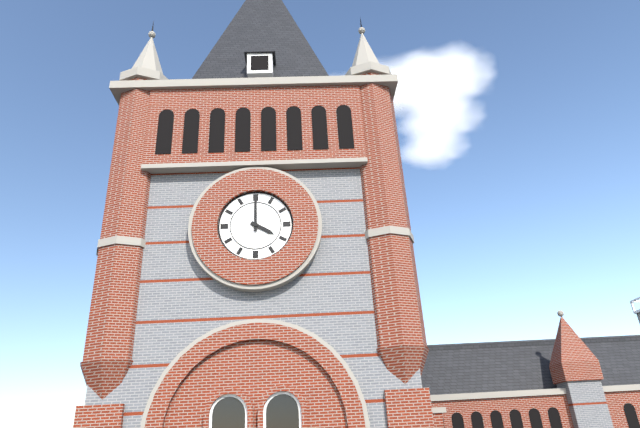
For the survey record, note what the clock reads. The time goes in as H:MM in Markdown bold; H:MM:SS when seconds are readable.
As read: **4:00**
